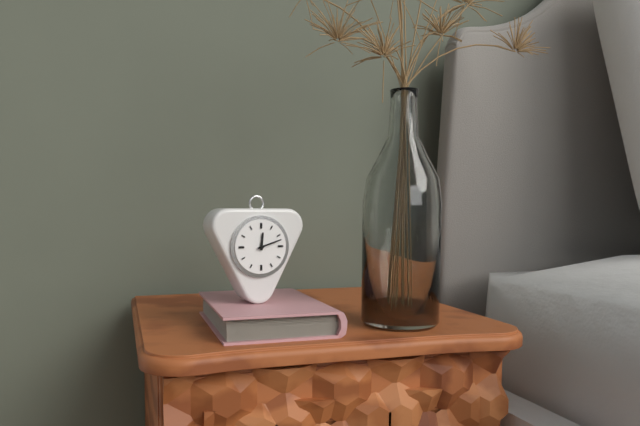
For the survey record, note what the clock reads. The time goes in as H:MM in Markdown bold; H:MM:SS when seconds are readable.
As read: **12:12**
